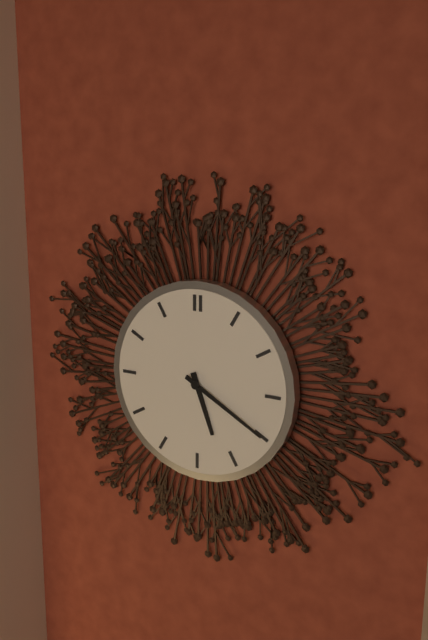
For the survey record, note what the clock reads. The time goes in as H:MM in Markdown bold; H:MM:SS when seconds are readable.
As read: **5:20**
